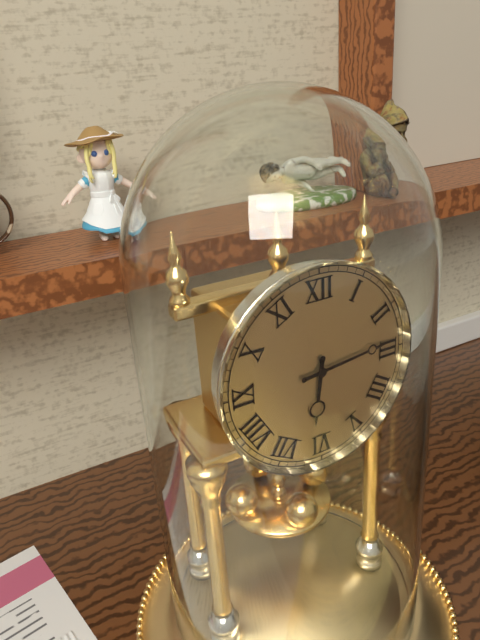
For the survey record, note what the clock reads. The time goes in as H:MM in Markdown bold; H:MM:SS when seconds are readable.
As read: **6:14**
